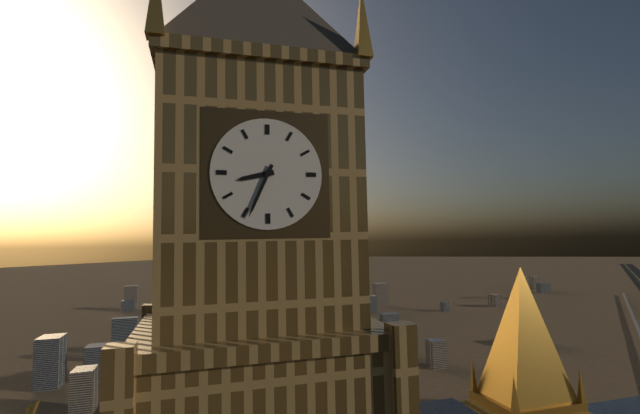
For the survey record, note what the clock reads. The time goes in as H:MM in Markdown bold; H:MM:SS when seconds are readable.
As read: **8:34**
